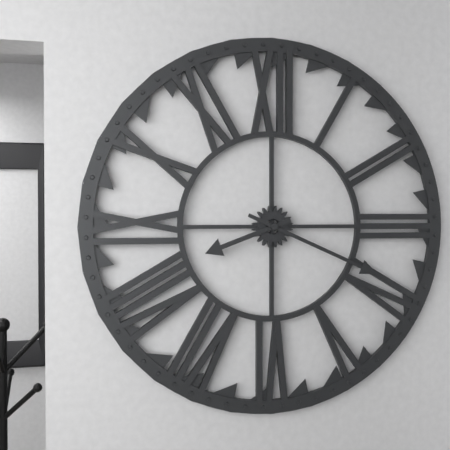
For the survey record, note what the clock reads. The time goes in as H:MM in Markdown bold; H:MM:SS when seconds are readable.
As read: **8:19**
